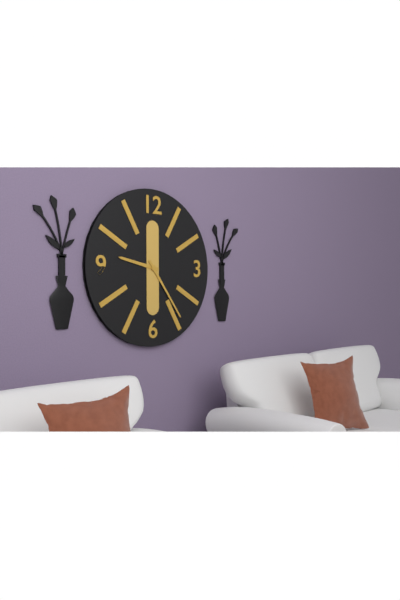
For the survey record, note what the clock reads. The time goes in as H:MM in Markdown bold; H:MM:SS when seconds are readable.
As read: **9:24**
